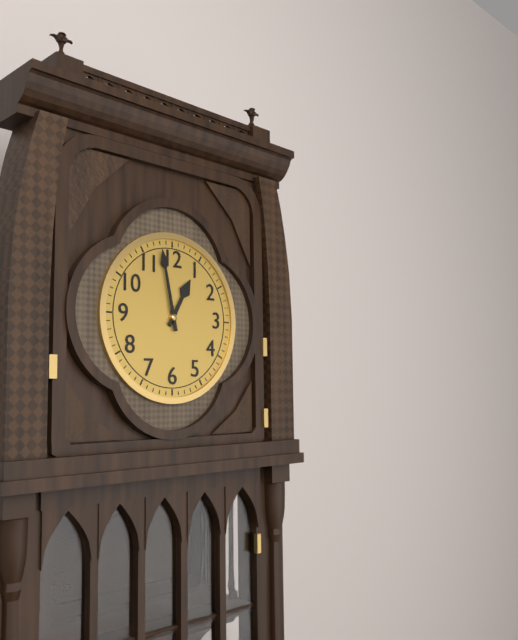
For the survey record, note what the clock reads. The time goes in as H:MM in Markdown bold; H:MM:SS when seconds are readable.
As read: **12:58**
